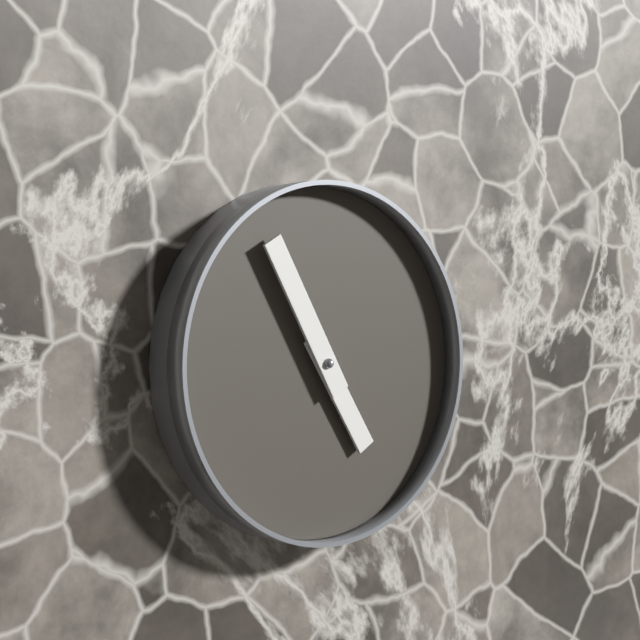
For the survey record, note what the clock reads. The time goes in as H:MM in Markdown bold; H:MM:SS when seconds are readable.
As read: **4:55**
